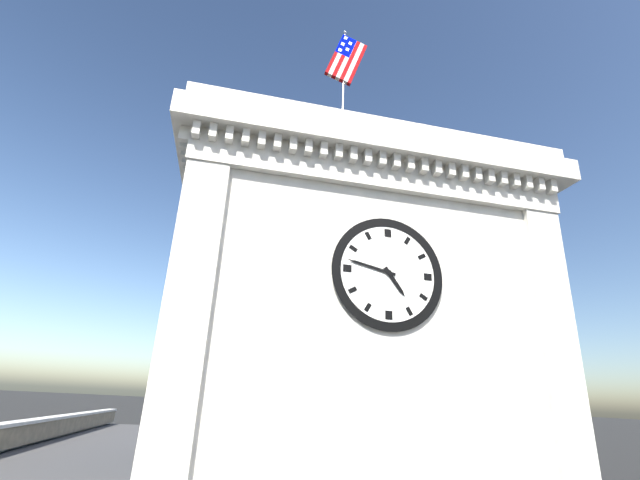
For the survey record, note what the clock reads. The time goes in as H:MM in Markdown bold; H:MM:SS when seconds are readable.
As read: **4:47**
